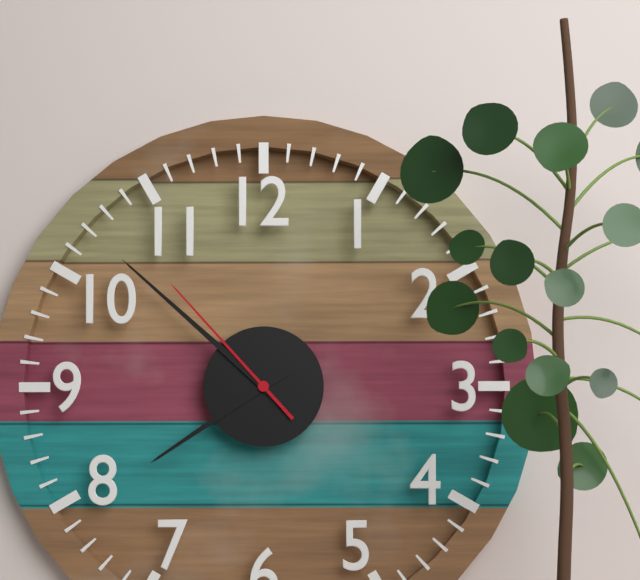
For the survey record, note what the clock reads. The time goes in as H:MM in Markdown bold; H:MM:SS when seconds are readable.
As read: **7:52:53**
